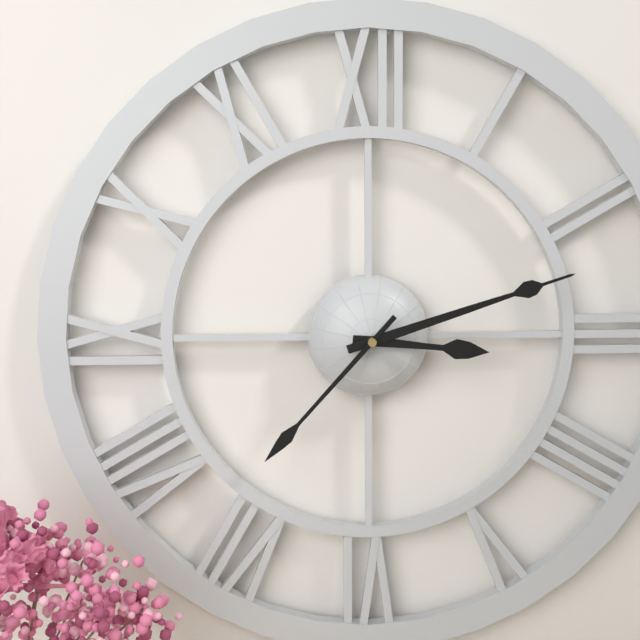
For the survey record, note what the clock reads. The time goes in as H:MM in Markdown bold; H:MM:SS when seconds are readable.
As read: **3:12:37**
